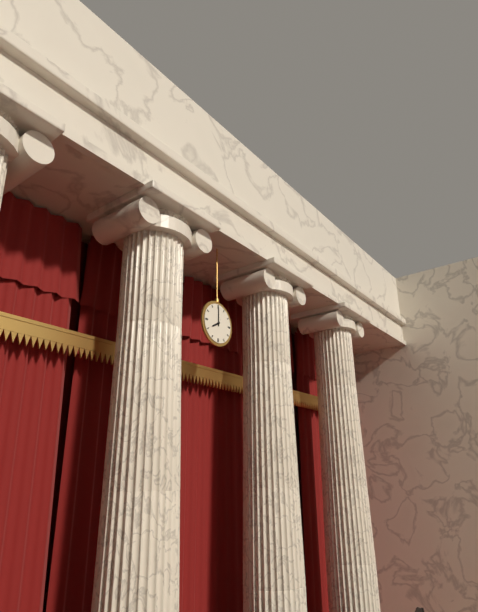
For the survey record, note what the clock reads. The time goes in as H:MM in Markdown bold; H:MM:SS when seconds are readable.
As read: **8:00**
